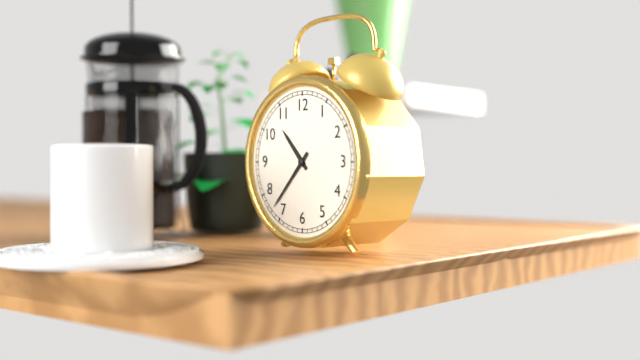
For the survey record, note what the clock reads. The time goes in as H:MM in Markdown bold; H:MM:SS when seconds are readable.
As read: **10:37**
